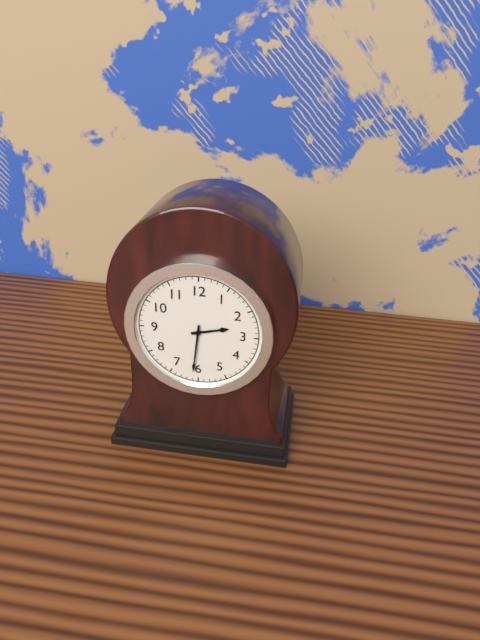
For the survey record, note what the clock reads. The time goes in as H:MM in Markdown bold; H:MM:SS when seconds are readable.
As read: **2:31**
